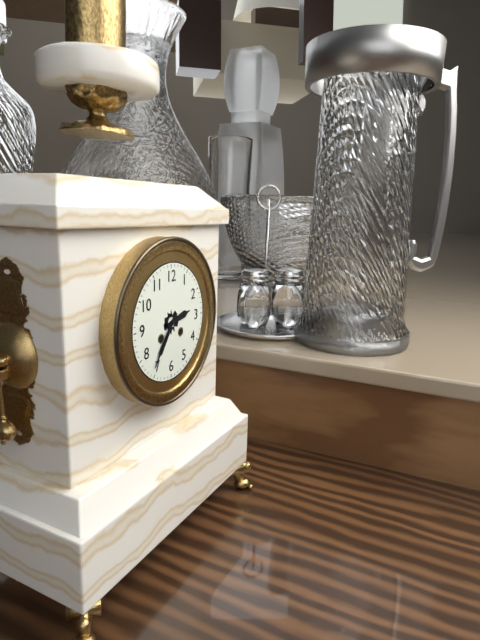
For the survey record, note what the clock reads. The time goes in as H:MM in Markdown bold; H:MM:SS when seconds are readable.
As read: **2:36**
